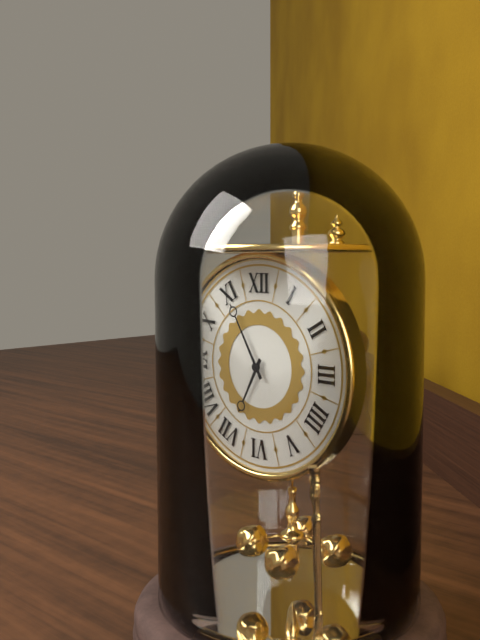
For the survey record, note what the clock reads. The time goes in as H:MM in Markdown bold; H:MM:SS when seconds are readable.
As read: **6:55**
